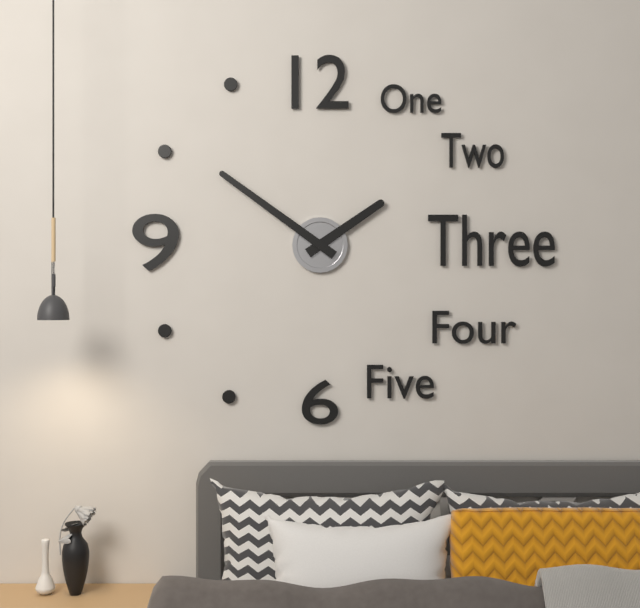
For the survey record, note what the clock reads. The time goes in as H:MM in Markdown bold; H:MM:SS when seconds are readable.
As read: **1:51**
